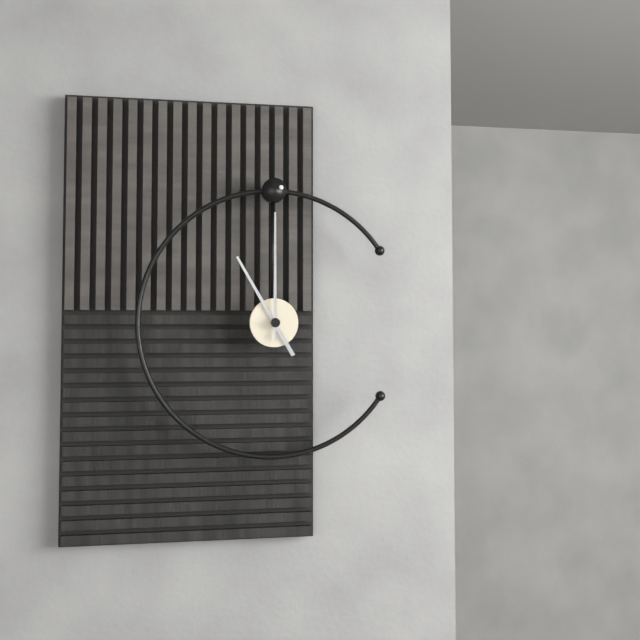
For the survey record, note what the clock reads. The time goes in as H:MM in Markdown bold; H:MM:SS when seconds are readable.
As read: **11:00**
